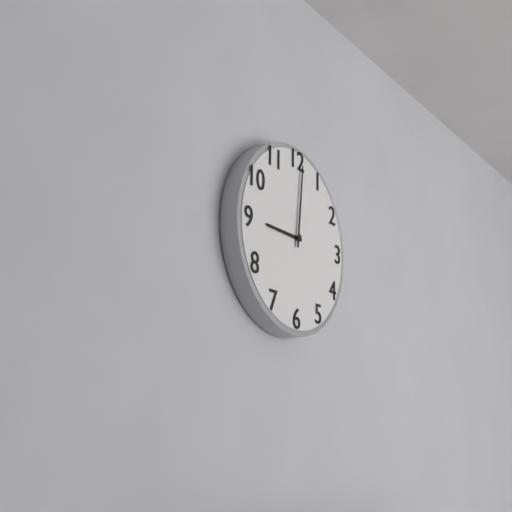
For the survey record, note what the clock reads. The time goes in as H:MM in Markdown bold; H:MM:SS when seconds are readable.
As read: **9:01**
